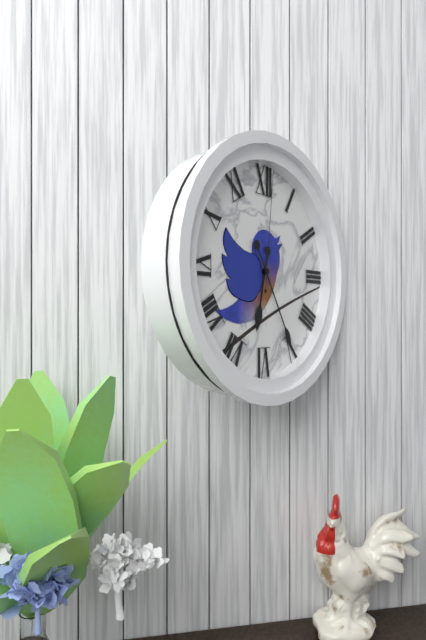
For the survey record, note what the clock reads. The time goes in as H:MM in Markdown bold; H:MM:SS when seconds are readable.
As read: **6:25:01**
